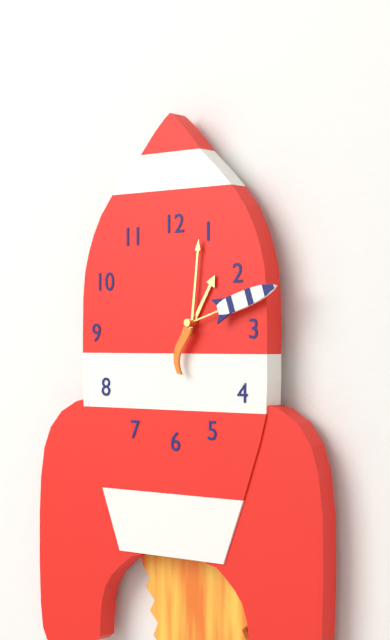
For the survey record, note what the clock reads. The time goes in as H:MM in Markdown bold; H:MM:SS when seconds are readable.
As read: **1:01:12**
